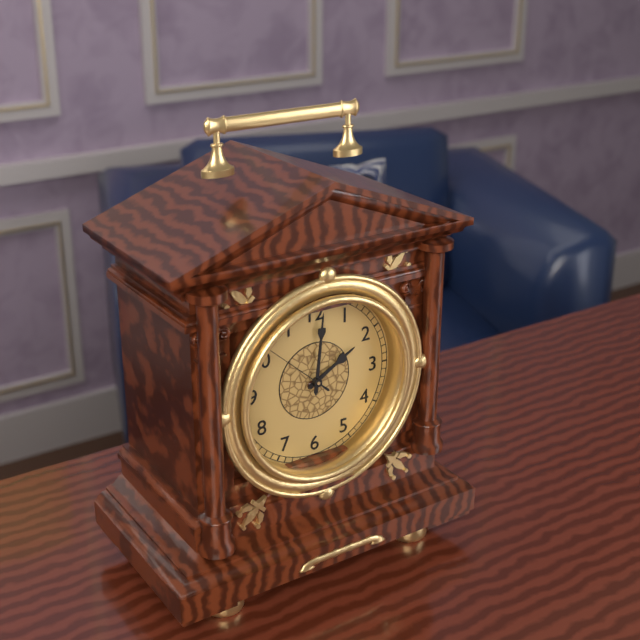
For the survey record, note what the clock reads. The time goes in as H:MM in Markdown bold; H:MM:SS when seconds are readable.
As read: **2:01:52**
